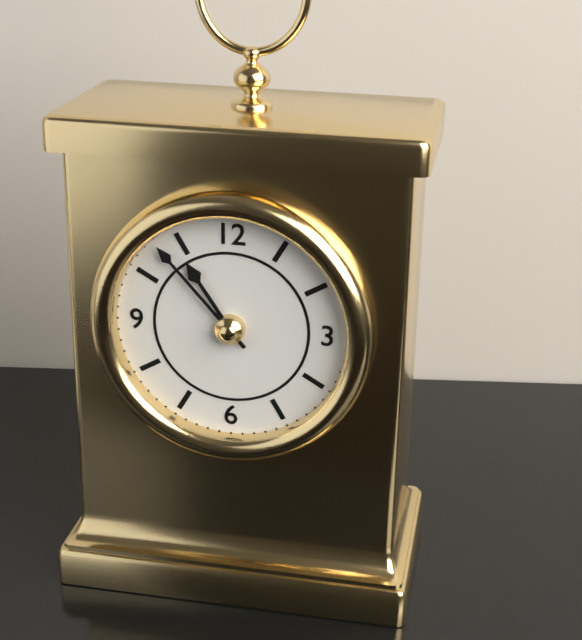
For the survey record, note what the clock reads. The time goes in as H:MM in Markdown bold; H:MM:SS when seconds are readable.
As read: **10:53**
